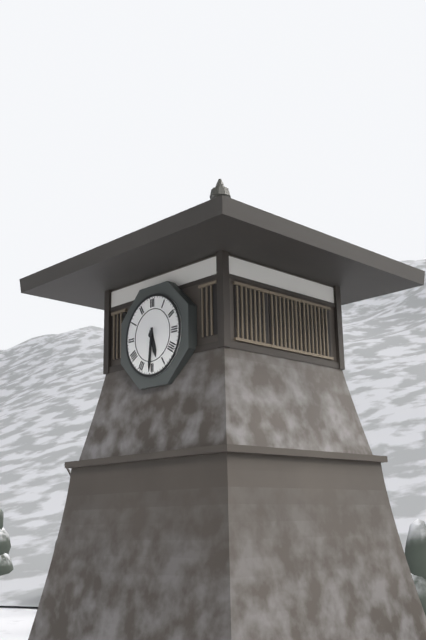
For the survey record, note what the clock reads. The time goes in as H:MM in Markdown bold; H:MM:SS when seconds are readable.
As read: **5:31**
